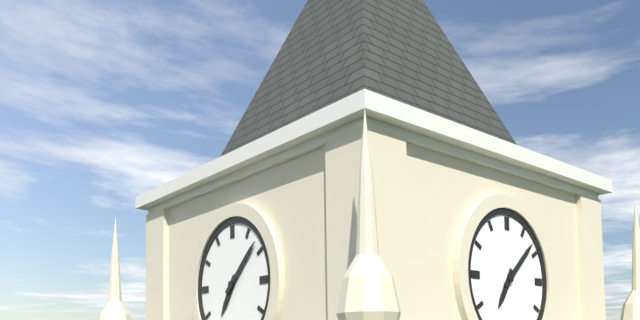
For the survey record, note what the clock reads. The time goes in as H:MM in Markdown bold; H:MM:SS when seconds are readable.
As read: **7:08**
